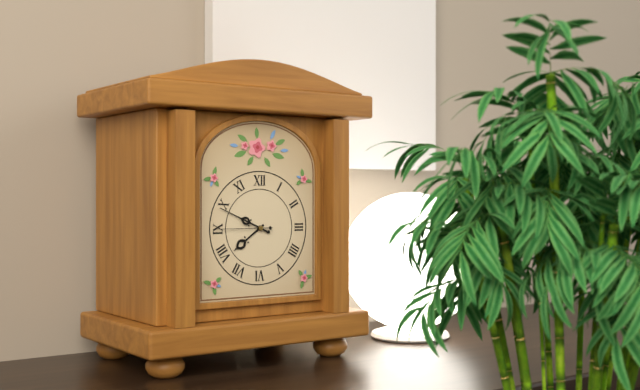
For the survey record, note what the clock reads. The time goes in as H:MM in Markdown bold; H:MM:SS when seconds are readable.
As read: **7:49**
